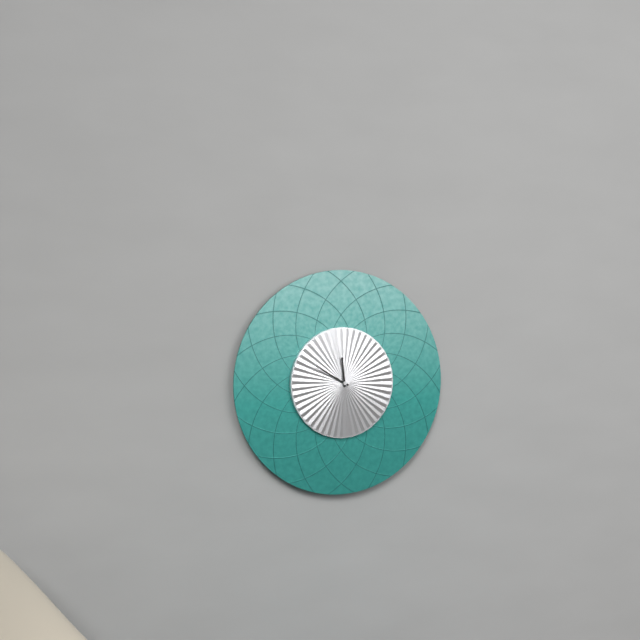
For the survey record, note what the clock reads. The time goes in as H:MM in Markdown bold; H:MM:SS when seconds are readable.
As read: **11:50**
